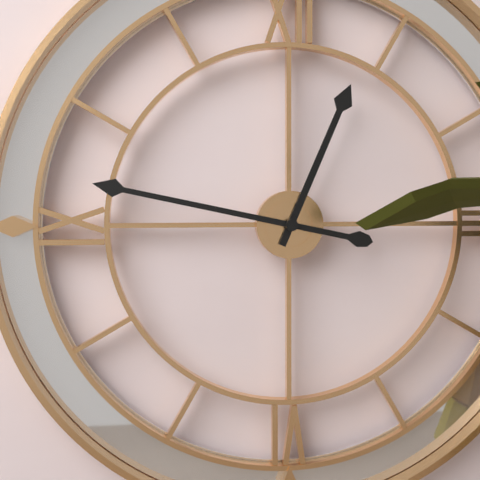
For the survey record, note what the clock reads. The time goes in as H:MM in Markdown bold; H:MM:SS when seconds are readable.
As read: **12:47**
